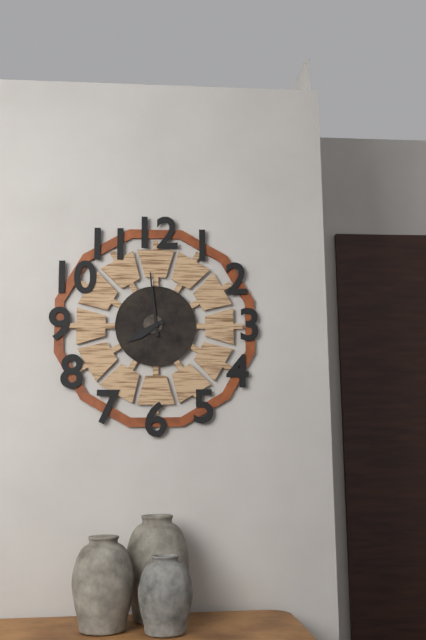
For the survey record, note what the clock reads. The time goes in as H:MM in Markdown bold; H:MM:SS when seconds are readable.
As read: **7:59**
